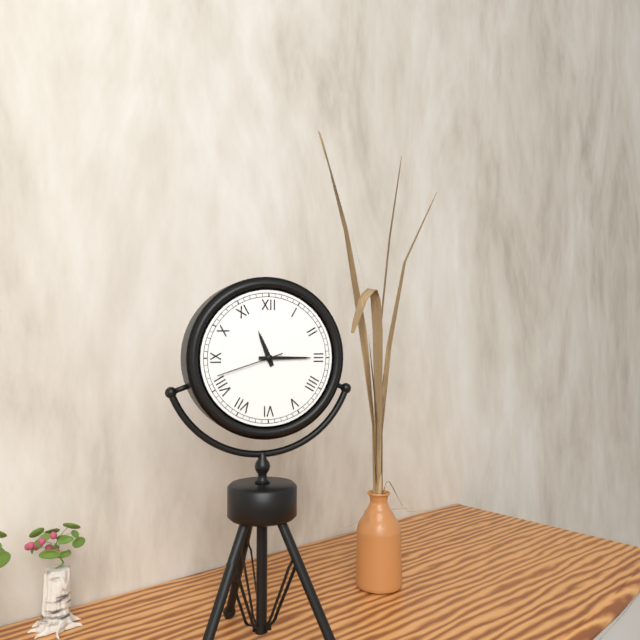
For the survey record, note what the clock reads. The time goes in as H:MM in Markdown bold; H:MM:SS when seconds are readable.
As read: **11:15:42**
